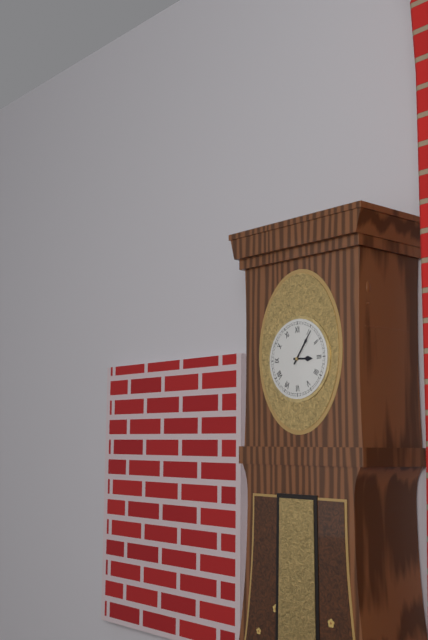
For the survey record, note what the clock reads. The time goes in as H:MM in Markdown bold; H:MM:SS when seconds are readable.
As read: **3:06**
